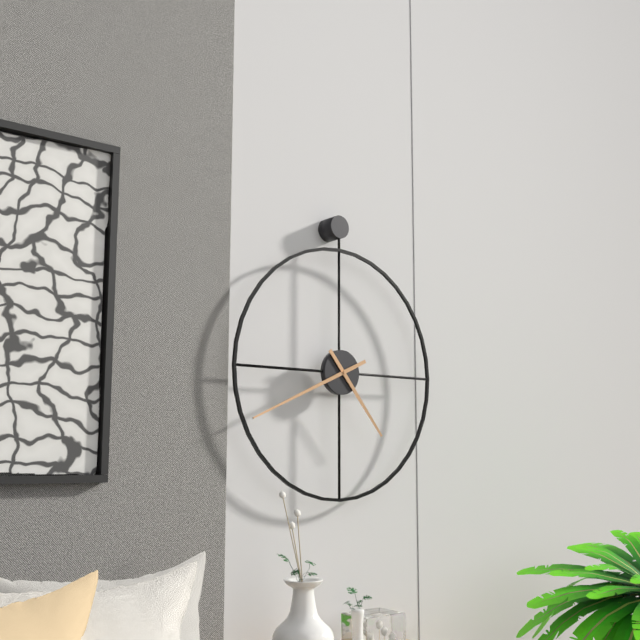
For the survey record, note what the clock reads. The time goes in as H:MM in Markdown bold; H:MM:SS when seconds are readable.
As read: **4:41**
